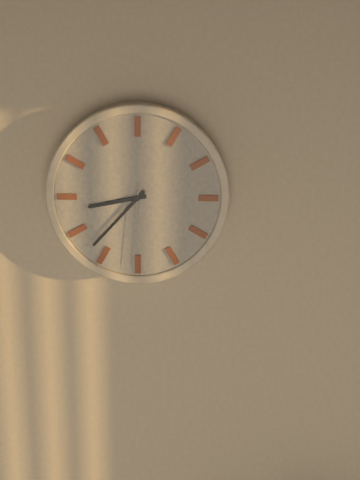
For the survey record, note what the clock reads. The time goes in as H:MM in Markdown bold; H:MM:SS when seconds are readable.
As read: **8:37:31**
